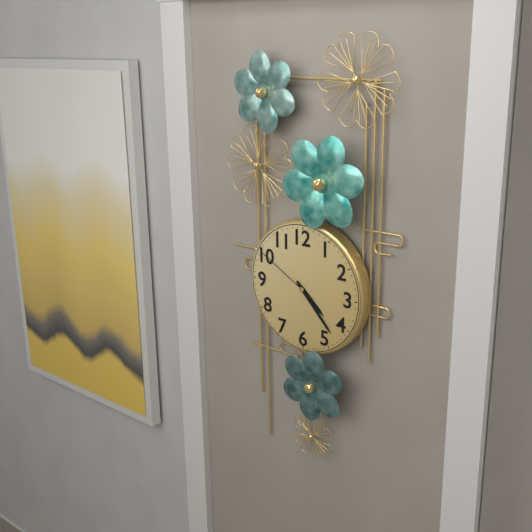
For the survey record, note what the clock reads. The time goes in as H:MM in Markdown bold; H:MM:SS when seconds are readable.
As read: **4:23:50**
